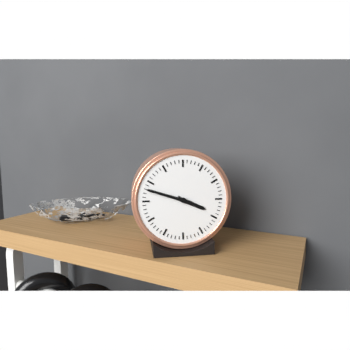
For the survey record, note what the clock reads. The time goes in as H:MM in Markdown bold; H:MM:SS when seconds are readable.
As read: **3:48**
